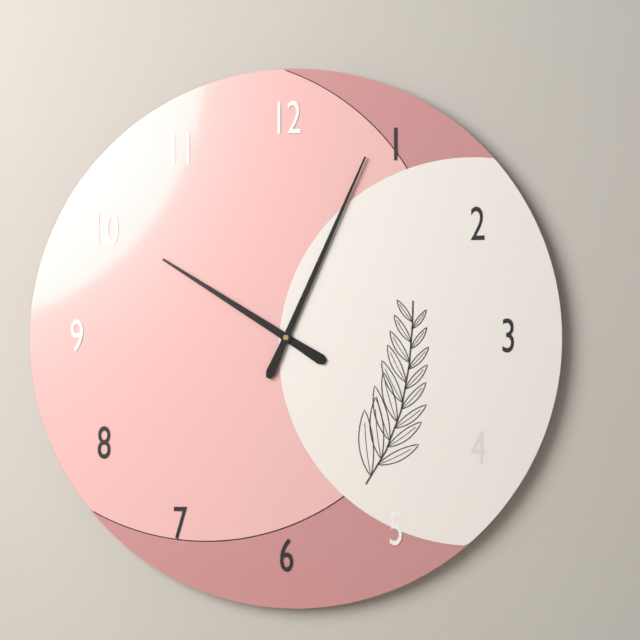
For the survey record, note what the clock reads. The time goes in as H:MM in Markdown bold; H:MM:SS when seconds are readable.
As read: **10:04**
